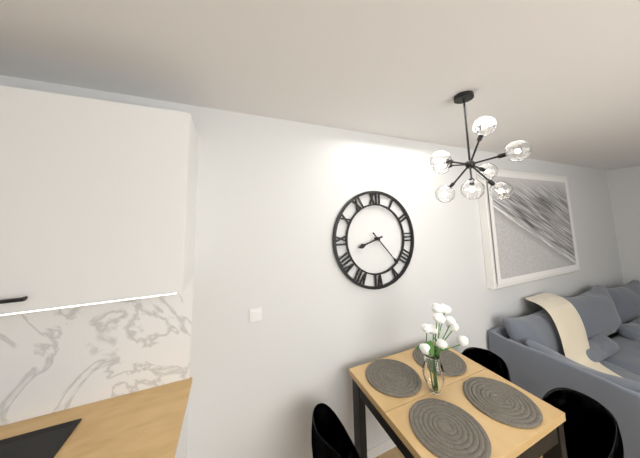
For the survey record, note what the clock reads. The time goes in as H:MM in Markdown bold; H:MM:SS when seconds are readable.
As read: **8:23**
